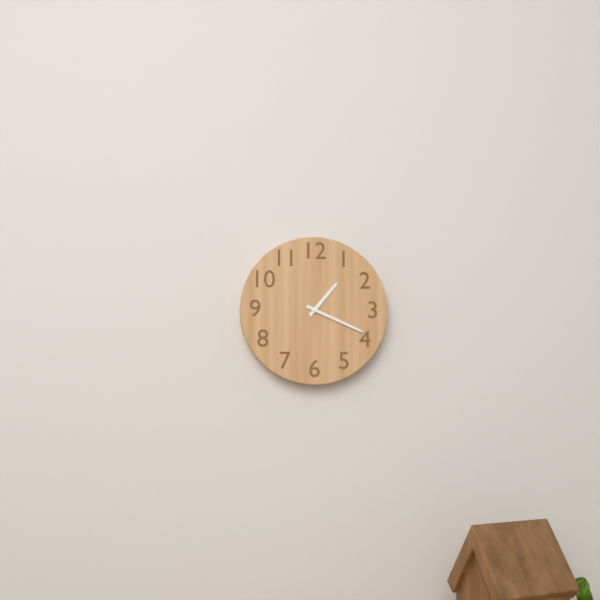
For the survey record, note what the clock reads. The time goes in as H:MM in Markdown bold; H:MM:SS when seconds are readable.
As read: **1:19**
